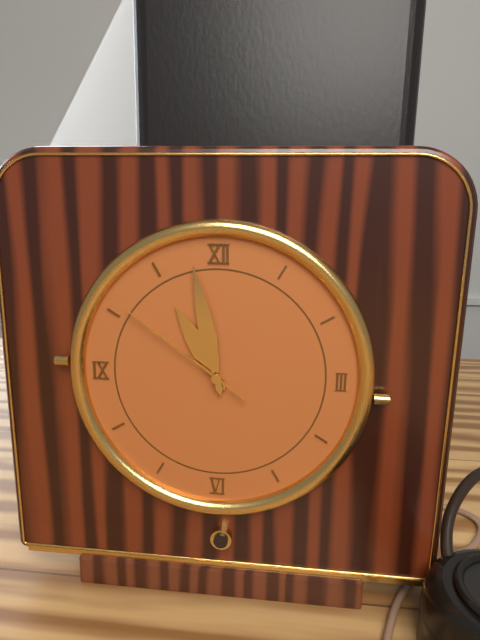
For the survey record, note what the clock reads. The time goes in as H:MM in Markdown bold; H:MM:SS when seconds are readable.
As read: **10:58:51**
